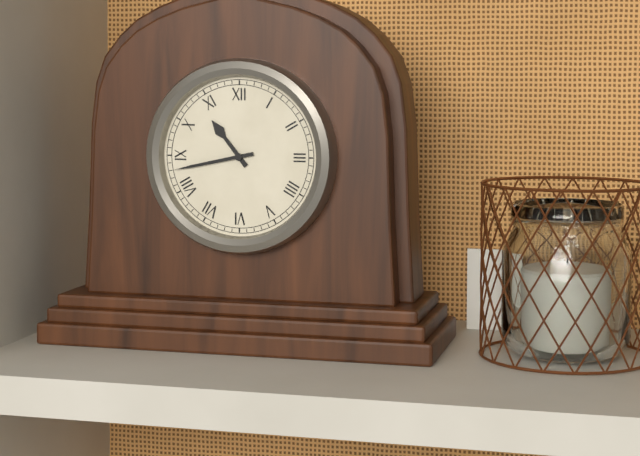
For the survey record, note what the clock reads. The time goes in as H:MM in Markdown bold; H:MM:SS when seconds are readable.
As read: **10:43**
